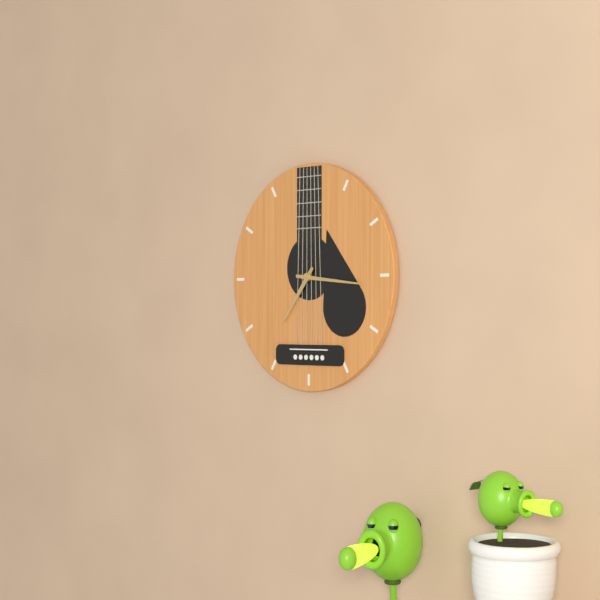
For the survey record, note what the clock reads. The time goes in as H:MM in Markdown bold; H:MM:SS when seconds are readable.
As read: **7:16**
